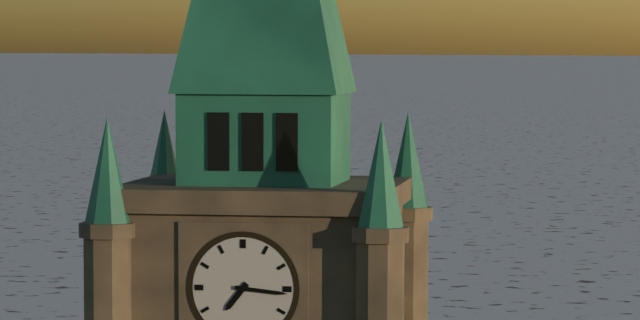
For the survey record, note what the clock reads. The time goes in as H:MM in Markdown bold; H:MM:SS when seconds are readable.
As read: **7:16**
